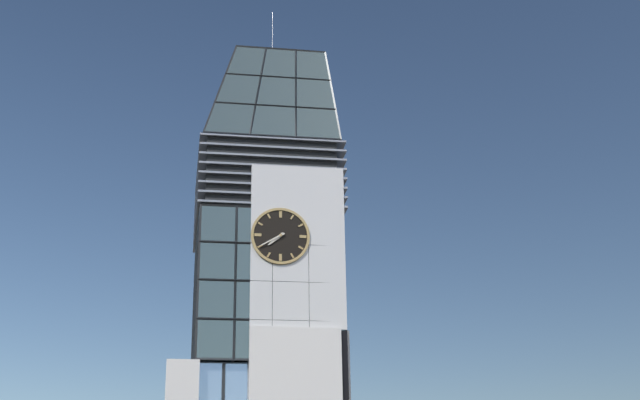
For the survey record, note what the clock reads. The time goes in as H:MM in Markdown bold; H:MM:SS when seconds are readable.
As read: **7:40**
